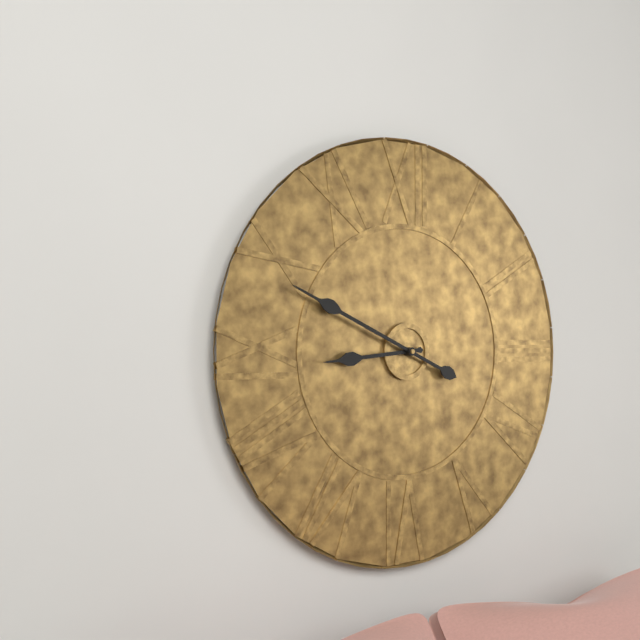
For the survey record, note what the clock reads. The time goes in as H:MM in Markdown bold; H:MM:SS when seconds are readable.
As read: **8:49**
